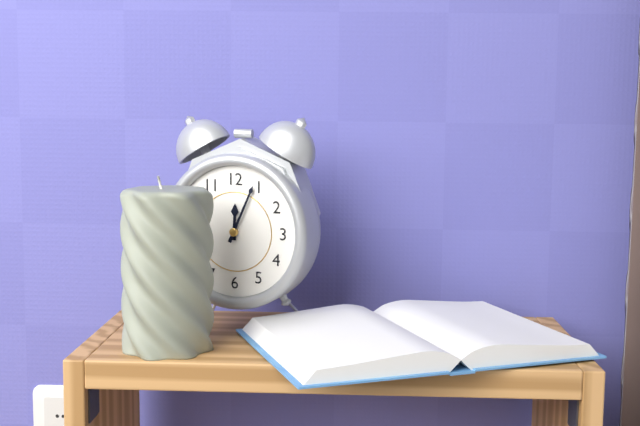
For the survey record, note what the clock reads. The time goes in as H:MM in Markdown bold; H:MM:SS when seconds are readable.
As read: **12:04**
